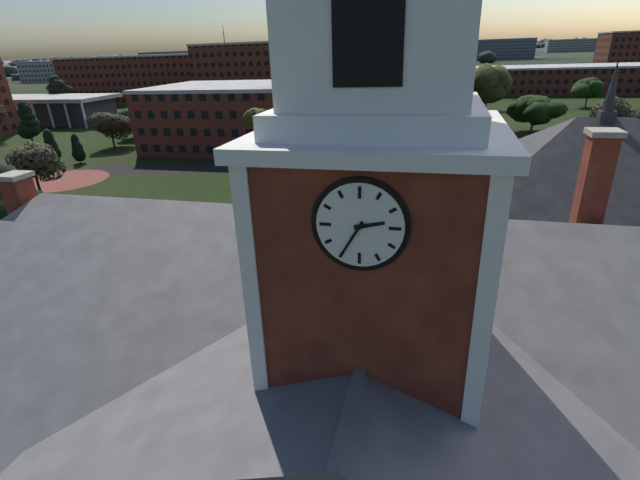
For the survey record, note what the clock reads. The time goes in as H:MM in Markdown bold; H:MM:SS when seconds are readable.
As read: **2:35**
